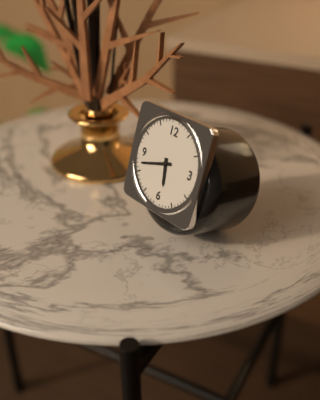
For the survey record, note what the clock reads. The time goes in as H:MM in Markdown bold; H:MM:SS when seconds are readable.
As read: **5:42**
